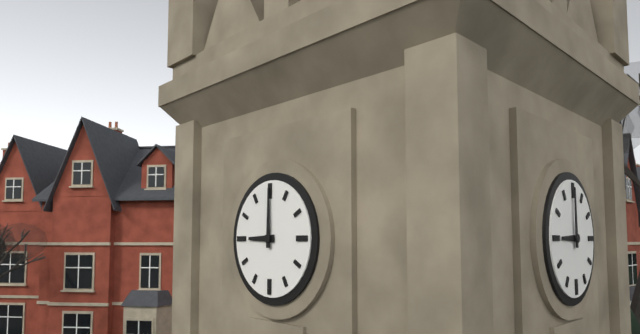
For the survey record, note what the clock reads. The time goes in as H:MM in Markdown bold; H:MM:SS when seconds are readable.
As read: **9:00**
